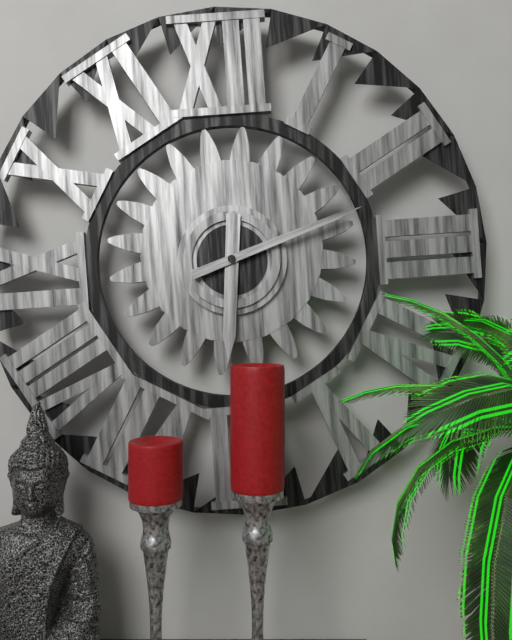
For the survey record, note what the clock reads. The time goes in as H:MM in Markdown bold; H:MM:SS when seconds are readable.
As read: **6:12**
